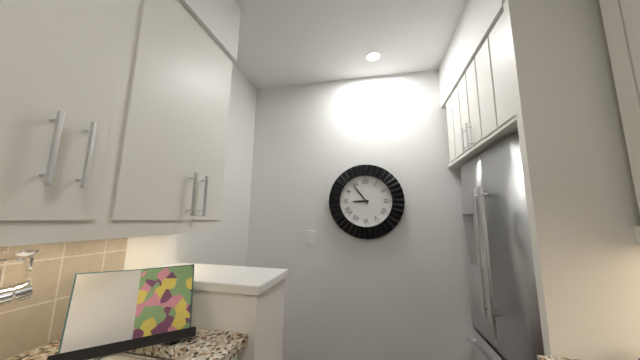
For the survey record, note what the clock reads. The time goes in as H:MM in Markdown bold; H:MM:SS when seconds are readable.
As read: **8:54**
